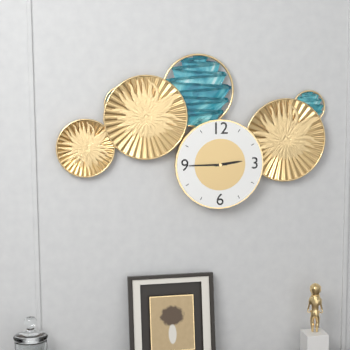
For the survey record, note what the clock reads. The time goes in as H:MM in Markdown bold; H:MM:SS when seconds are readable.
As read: **2:45**
